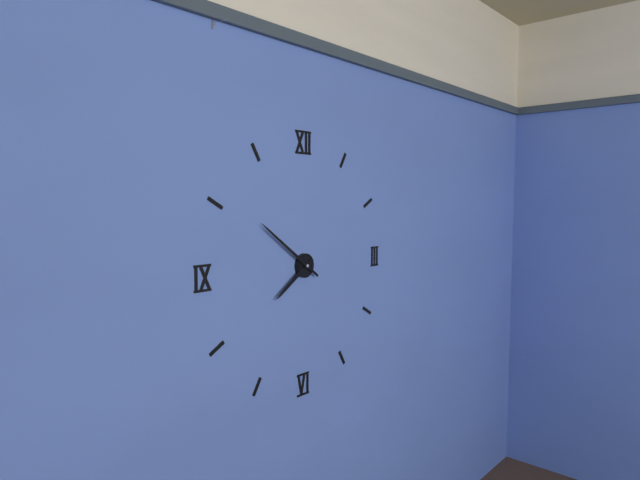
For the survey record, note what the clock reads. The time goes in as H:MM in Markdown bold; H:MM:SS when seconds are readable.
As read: **7:51**
